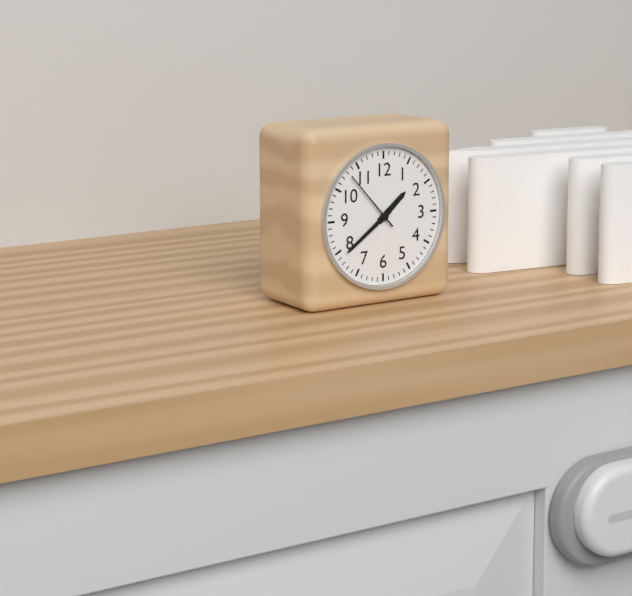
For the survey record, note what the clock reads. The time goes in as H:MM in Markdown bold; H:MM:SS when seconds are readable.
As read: **1:39**
